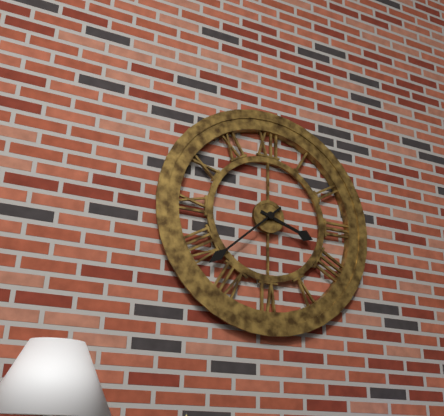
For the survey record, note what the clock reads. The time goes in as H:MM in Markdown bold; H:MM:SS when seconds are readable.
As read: **3:38**
